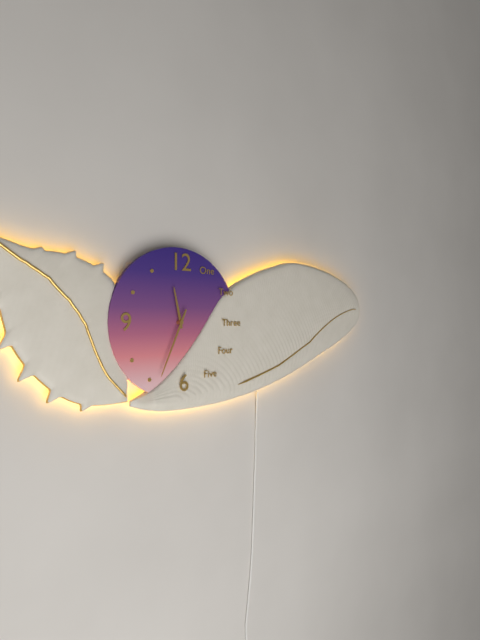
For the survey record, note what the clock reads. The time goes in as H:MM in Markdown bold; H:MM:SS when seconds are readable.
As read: **11:34**
